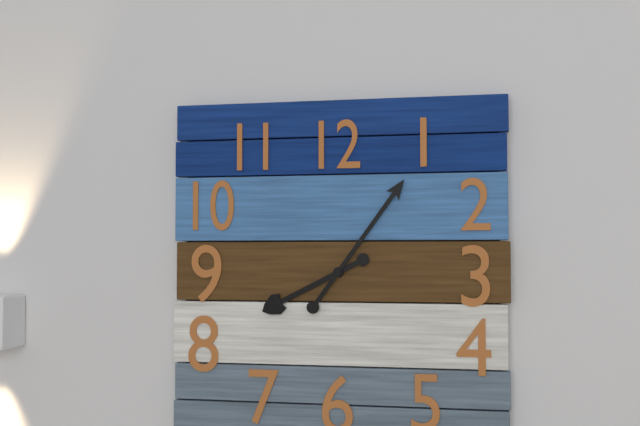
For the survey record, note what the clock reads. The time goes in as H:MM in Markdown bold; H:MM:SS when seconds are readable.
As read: **8:06**
